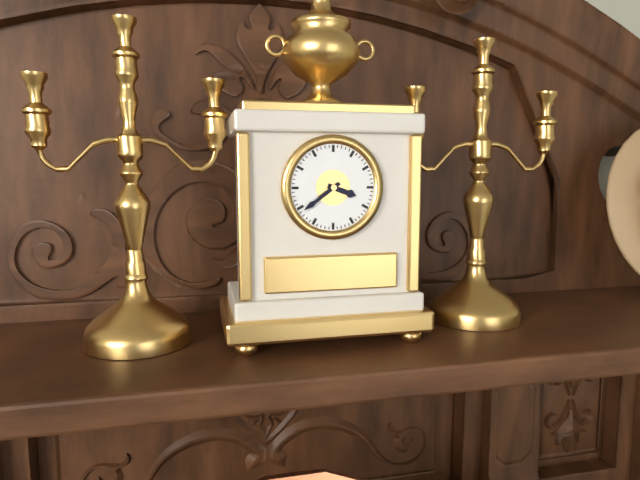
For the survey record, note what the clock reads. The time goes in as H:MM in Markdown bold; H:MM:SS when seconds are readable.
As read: **3:39**
